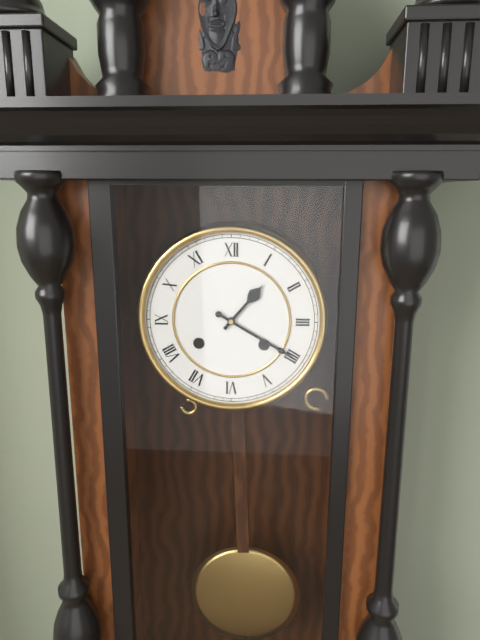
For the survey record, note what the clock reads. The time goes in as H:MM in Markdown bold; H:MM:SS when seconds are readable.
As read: **1:20**
